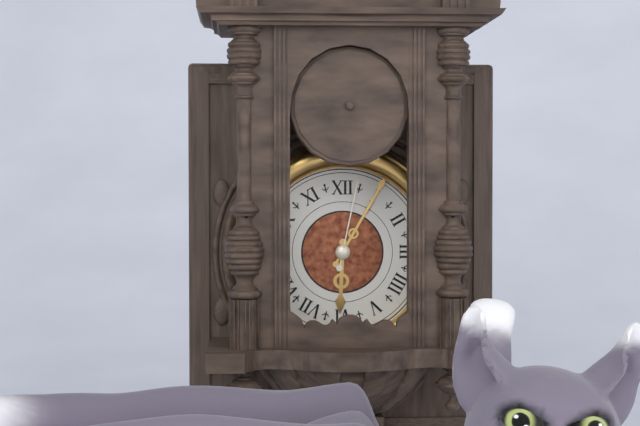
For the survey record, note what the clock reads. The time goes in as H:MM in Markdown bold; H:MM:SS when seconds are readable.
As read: **6:05:02**
